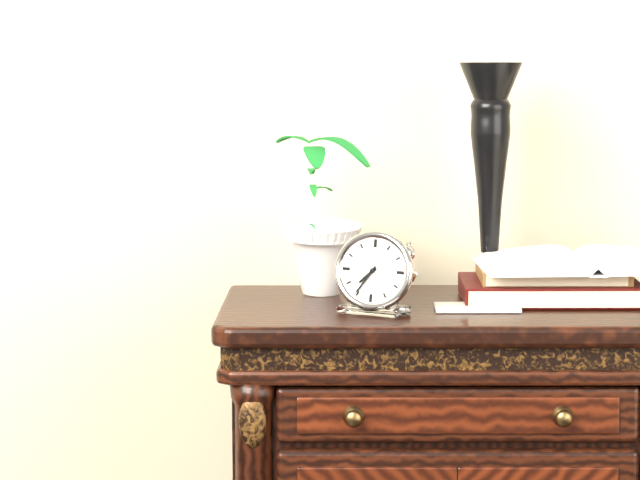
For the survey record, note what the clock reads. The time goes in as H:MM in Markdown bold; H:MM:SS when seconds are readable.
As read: **7:36**
